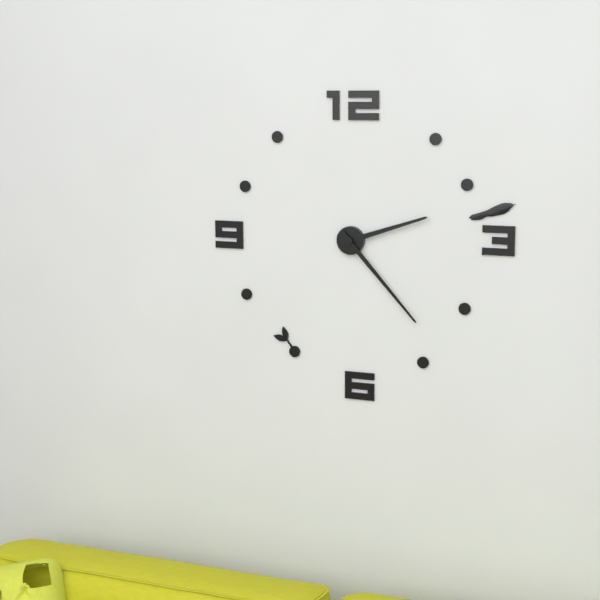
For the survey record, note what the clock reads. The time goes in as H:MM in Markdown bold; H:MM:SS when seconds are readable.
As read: **2:23**
